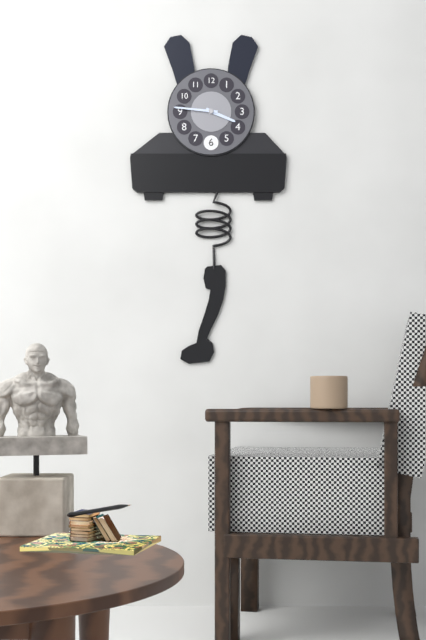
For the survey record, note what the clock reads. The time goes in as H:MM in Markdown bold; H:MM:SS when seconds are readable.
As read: **3:46**
